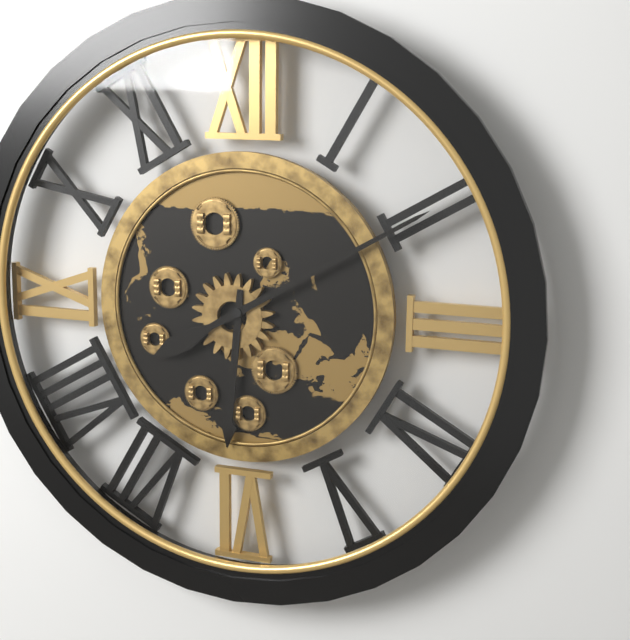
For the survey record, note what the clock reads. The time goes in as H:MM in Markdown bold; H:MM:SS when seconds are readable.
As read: **6:10**
